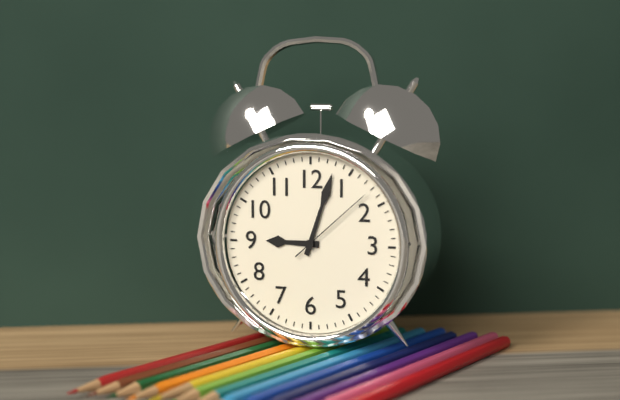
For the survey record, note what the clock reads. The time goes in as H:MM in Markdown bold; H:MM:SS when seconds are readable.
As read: **9:03:08**
